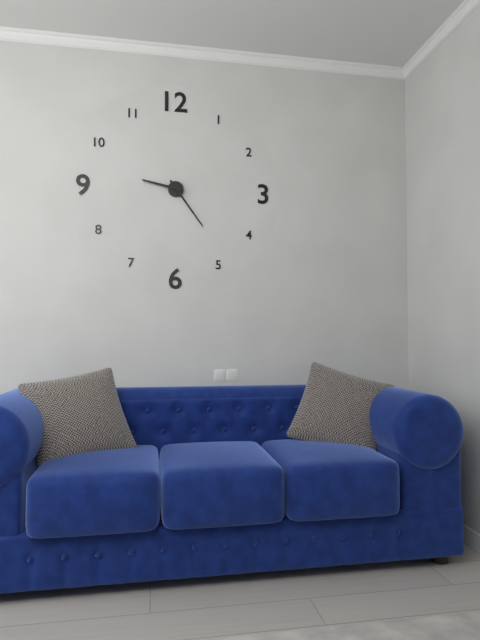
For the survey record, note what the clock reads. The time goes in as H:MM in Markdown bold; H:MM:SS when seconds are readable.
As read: **9:24**
